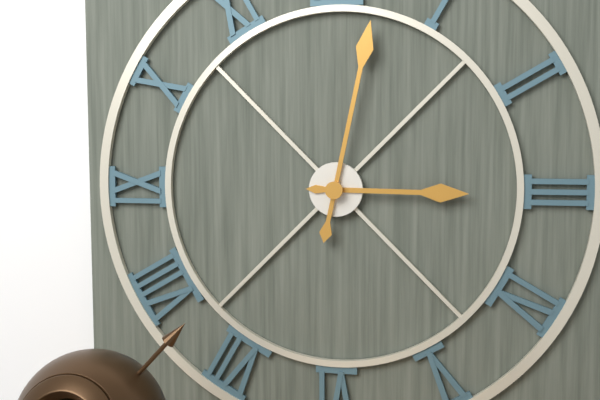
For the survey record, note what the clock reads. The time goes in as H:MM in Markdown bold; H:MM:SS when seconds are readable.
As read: **3:02**
